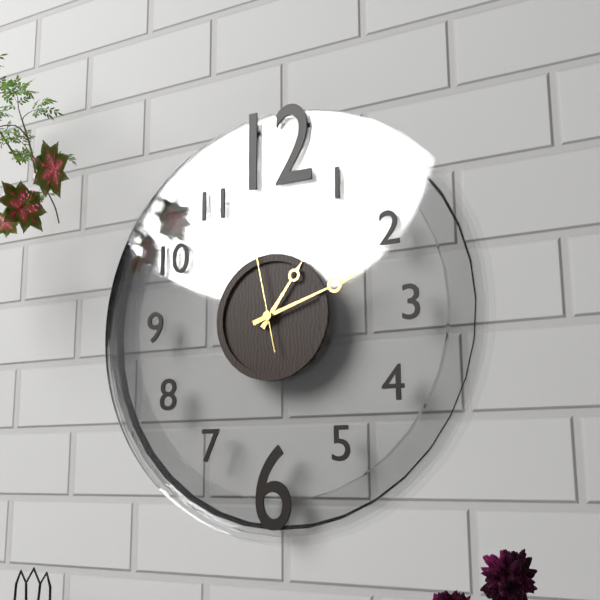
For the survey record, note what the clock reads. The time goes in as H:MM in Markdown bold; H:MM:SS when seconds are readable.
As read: **1:12:58**
